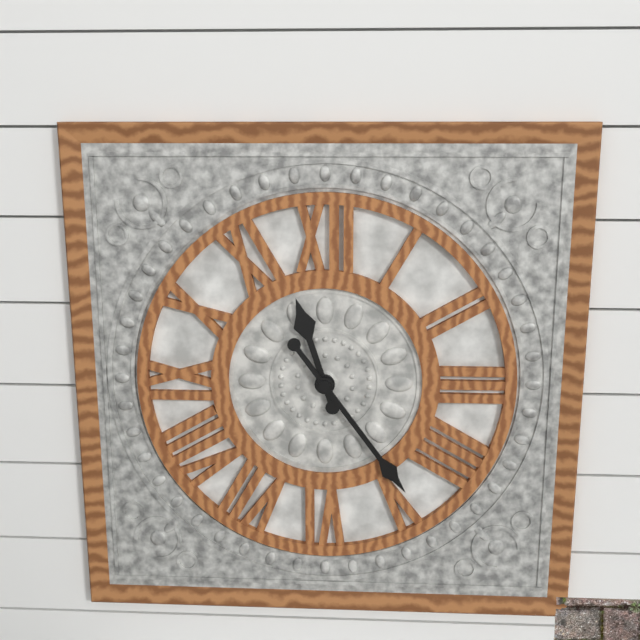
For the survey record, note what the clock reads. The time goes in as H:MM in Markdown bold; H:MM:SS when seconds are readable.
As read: **11:24**
